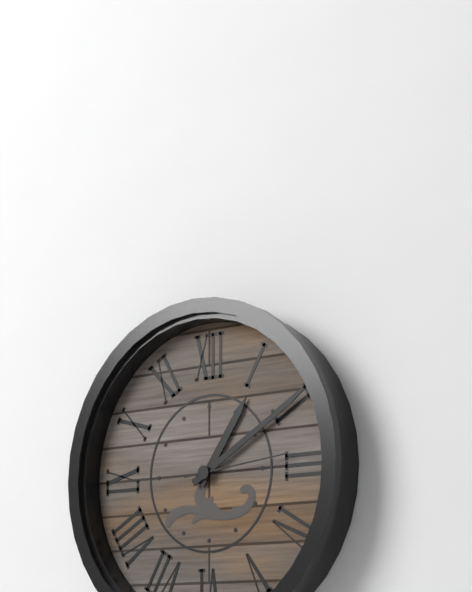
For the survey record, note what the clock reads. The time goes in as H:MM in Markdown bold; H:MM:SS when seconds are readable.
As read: **1:10:14**
